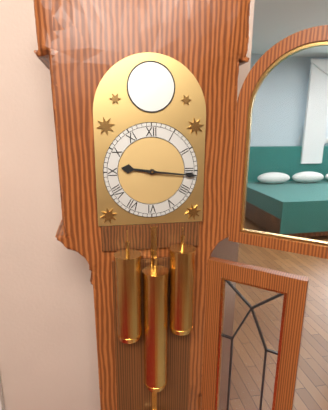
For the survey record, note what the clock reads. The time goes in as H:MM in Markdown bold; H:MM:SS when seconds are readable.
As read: **9:16**
